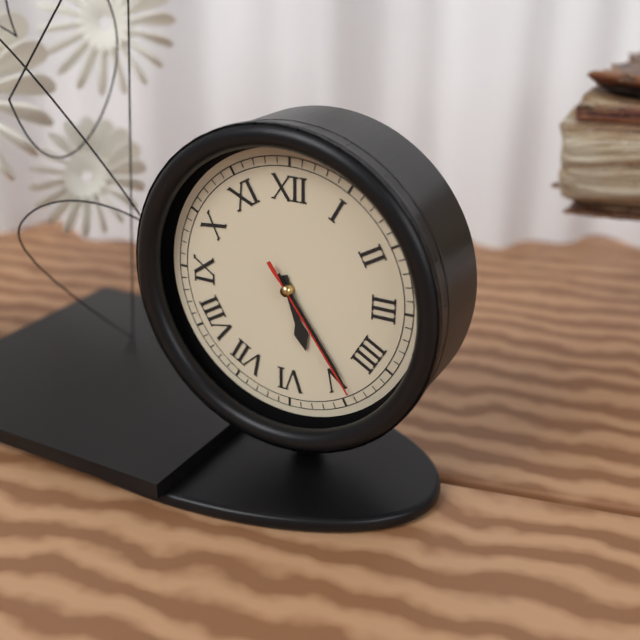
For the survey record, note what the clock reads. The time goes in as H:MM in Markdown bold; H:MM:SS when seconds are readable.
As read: **5:24:24**
